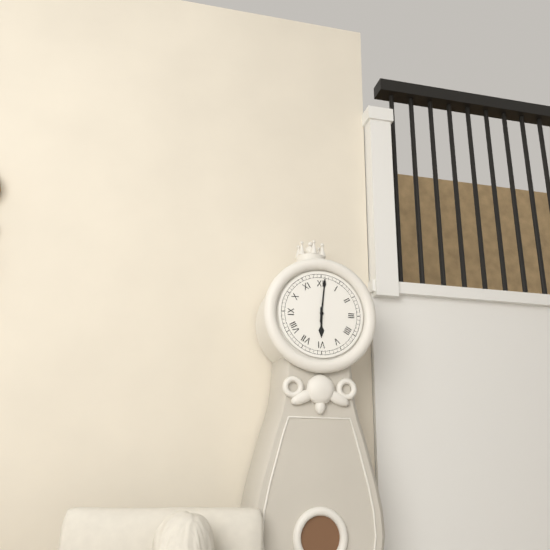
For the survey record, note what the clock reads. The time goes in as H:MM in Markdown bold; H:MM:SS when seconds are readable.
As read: **6:01**
